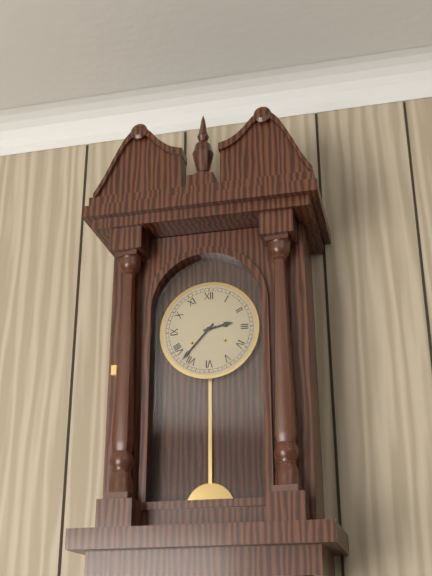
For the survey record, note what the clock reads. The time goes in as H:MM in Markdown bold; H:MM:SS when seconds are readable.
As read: **2:37**
